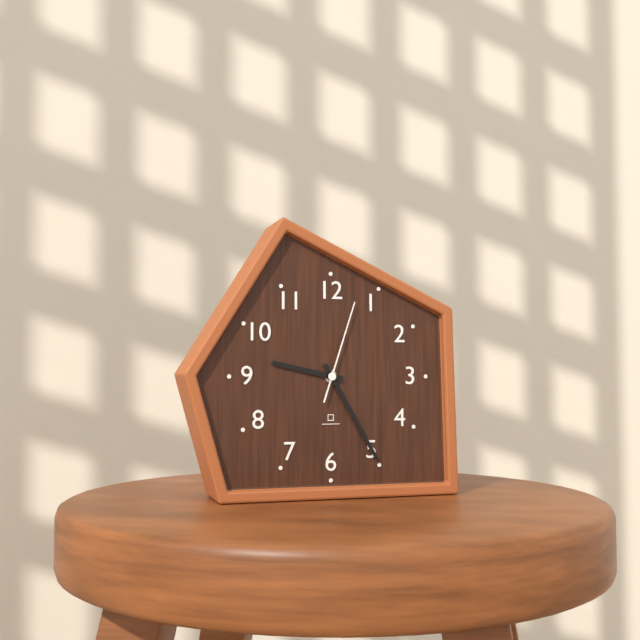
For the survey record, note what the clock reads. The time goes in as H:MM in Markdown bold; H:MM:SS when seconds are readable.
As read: **9:25:03**
